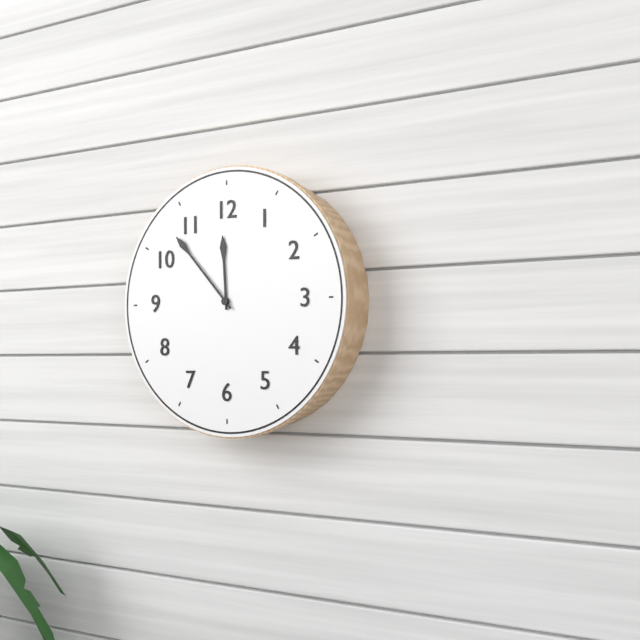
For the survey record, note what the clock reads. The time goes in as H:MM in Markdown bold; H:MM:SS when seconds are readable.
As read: **11:53**
